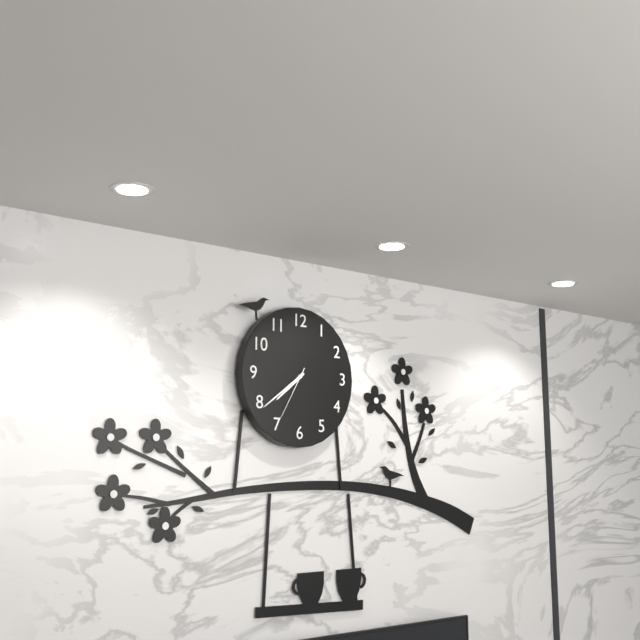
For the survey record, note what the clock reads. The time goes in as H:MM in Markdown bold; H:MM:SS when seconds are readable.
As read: **7:39:35**
